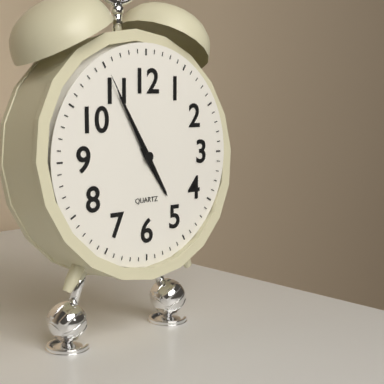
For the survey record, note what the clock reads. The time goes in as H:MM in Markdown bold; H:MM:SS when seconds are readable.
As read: **4:55:55**
